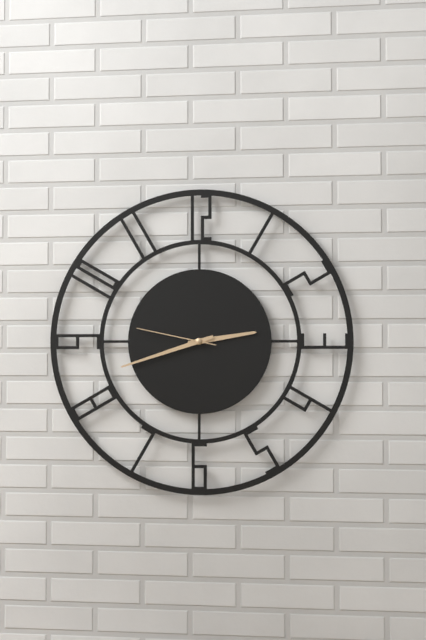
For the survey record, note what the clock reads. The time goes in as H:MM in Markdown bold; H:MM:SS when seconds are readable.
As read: **2:42:47**
